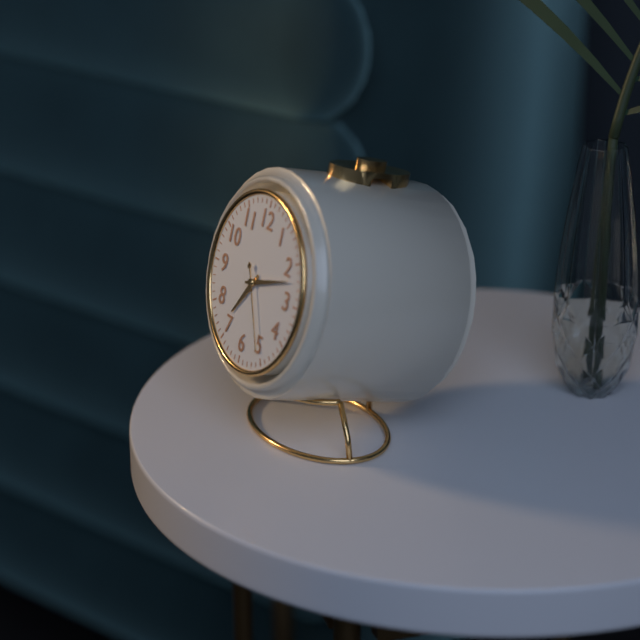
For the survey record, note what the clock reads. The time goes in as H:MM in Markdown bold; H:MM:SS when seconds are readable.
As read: **7:12:25**
